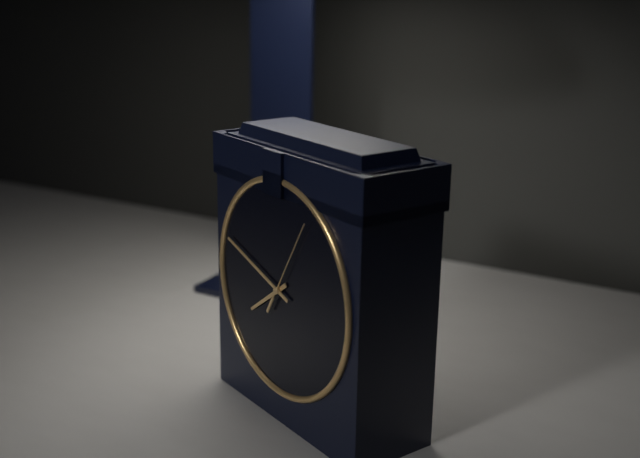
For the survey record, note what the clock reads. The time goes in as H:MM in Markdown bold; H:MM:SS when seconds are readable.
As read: **7:48:05**
